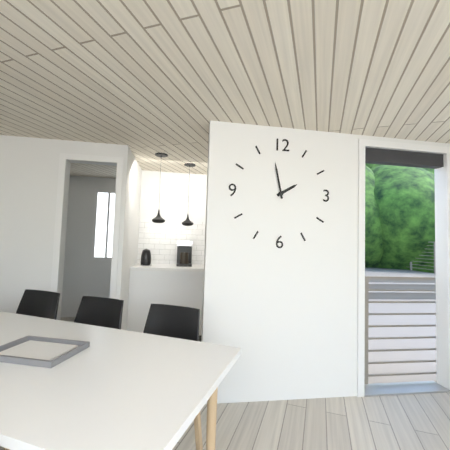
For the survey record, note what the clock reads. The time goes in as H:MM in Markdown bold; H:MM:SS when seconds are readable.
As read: **1:58**
